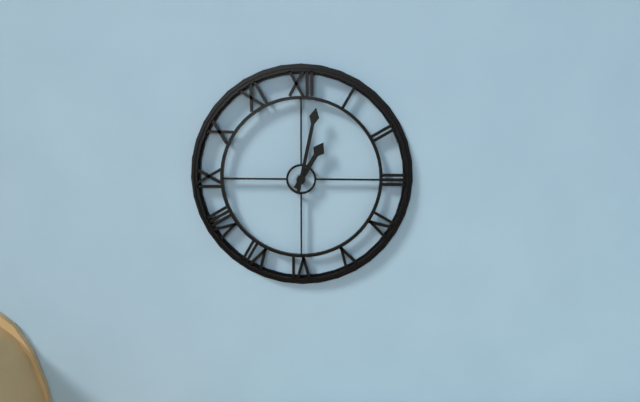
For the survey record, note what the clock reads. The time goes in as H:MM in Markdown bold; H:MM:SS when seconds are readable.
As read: **1:02**
